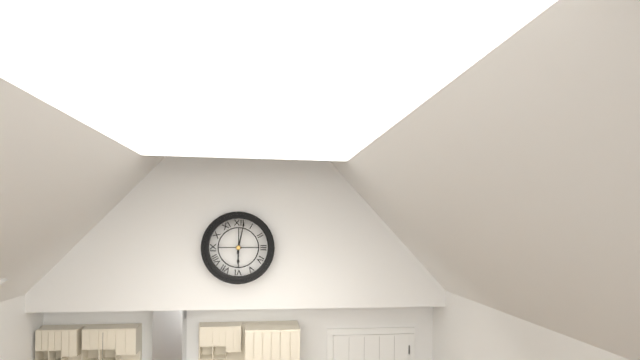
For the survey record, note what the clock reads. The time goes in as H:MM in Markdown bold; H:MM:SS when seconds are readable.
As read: **6:02**
